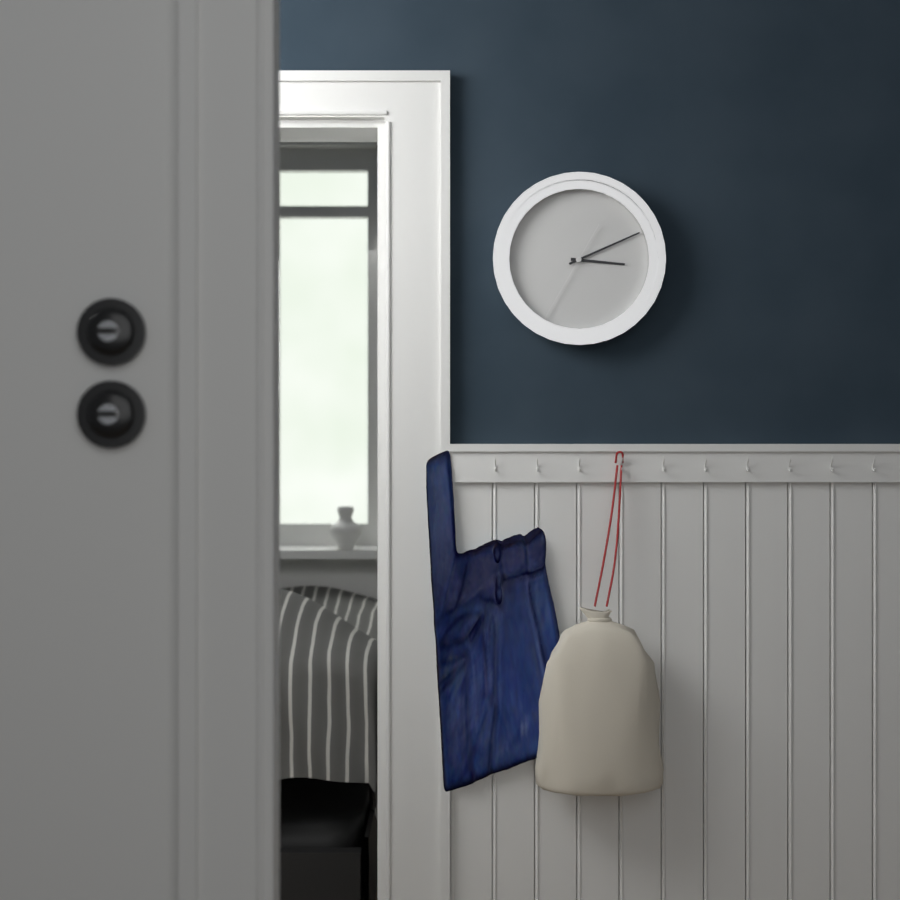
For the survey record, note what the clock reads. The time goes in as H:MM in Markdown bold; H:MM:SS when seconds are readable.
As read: **3:11:35**
